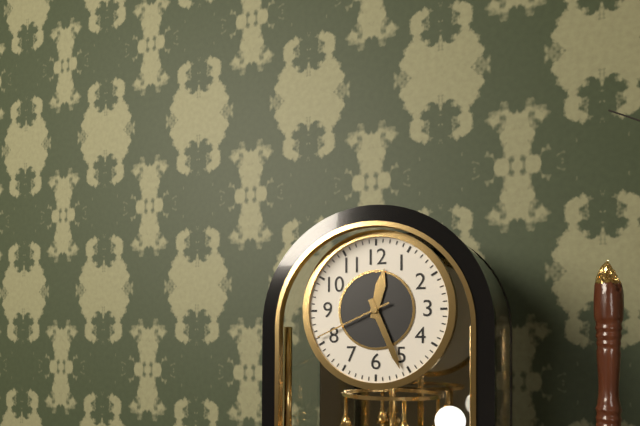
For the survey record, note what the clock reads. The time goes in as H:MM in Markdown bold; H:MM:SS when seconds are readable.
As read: **12:26:41**
